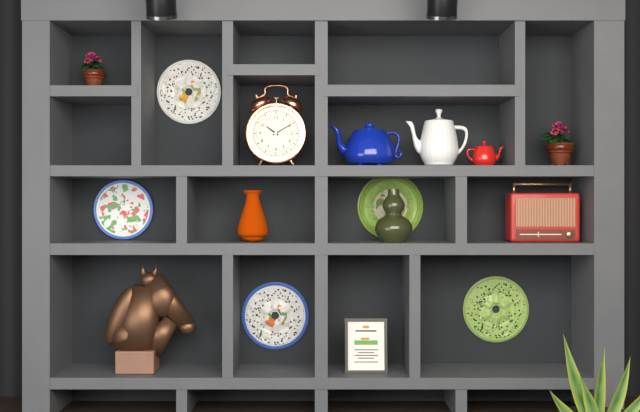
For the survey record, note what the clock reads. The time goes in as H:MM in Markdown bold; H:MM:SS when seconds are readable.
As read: **10:10**
